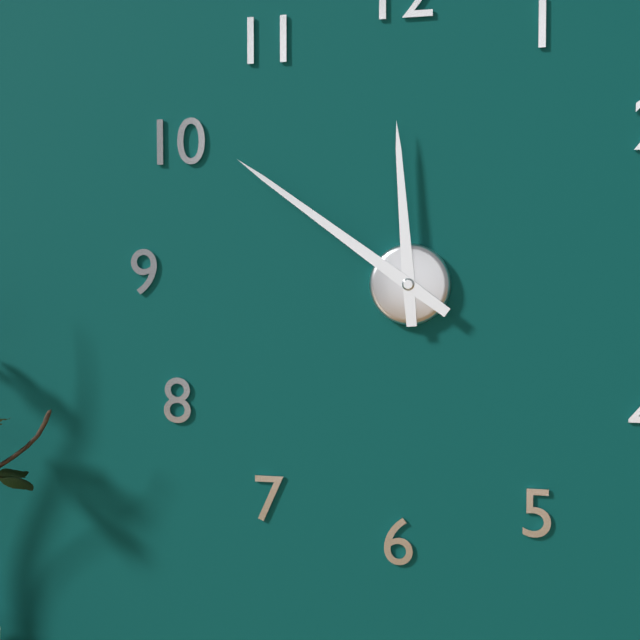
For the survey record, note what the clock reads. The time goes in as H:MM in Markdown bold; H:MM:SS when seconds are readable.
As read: **11:51**
